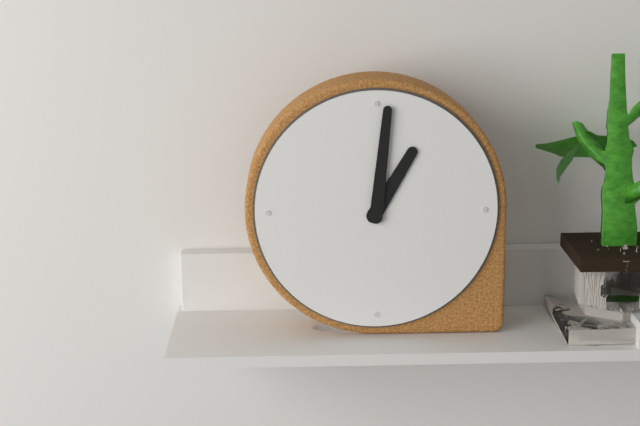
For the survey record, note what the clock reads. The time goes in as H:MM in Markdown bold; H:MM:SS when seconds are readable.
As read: **1:01**
